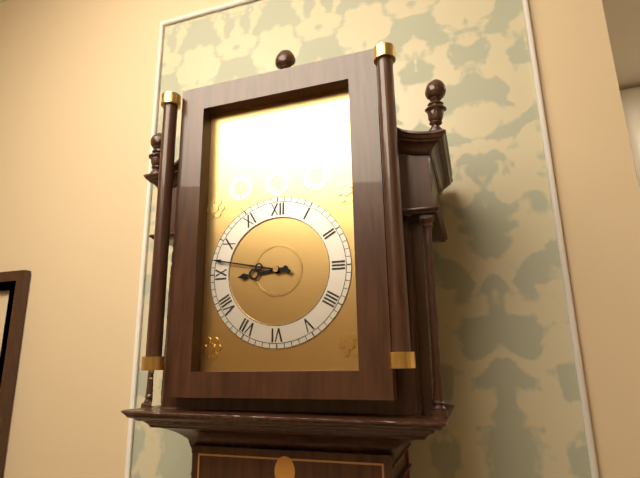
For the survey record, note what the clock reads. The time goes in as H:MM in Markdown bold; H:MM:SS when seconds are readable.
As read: **8:47**
